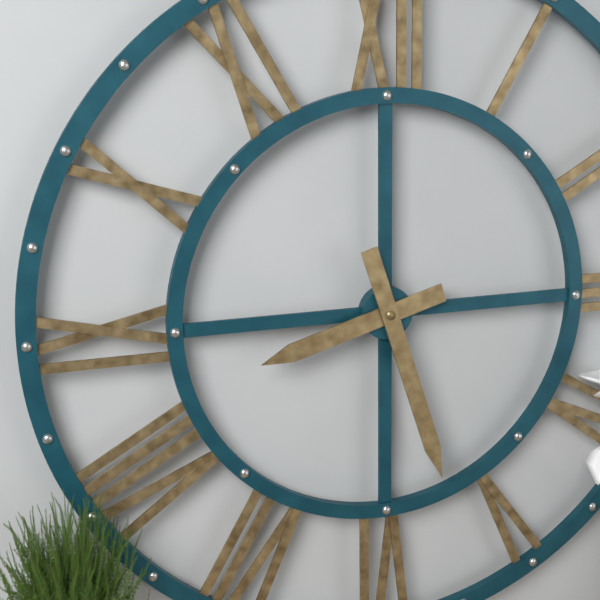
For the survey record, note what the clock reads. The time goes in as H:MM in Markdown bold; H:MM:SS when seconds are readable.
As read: **8:27**
